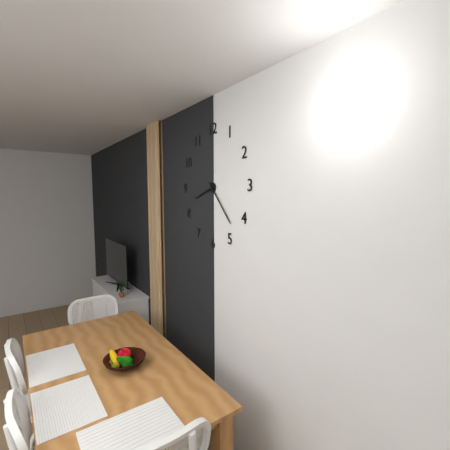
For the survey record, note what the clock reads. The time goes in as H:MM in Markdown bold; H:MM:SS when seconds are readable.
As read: **8:23**
